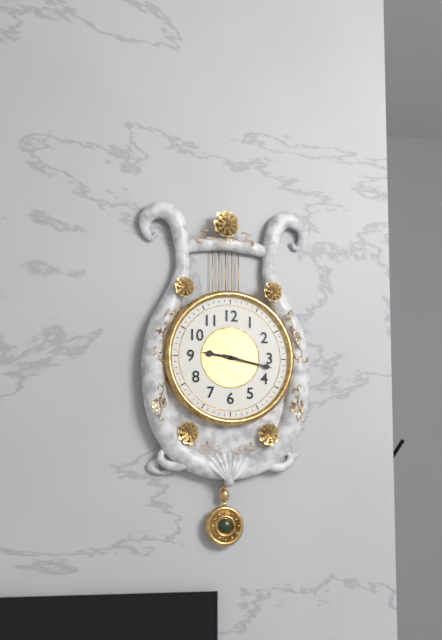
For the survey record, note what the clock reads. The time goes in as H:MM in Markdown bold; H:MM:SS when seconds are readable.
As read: **9:17**
